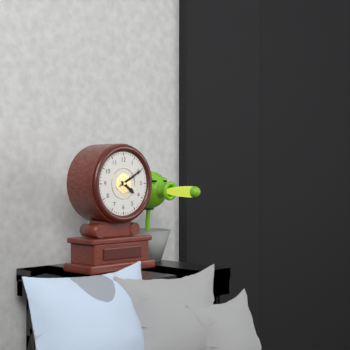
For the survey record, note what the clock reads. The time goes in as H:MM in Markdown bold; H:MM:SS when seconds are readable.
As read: **4:10**
